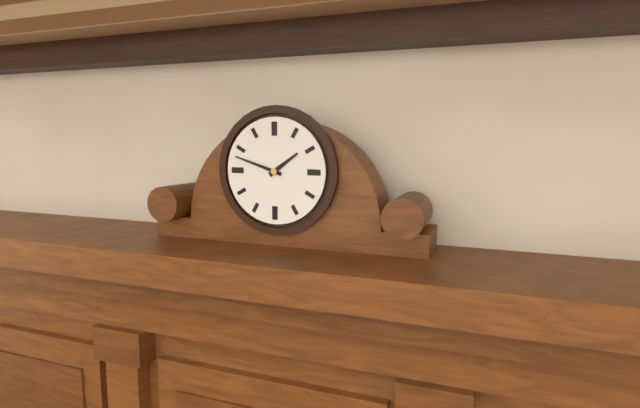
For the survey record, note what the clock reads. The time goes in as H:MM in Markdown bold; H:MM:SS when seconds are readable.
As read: **1:48**
